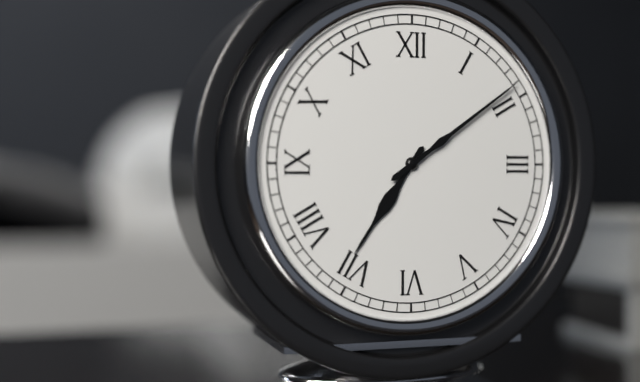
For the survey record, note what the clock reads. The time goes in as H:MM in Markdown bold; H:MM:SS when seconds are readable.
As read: **7:09**
